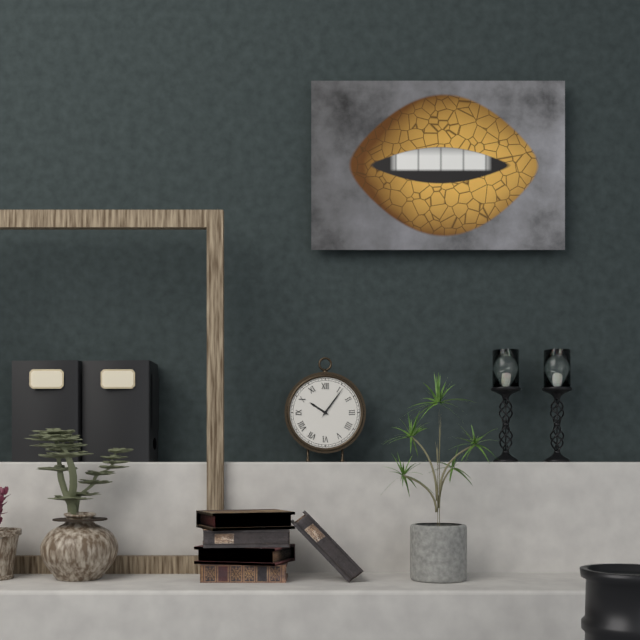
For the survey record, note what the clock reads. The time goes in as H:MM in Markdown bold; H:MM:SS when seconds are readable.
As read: **10:06**
